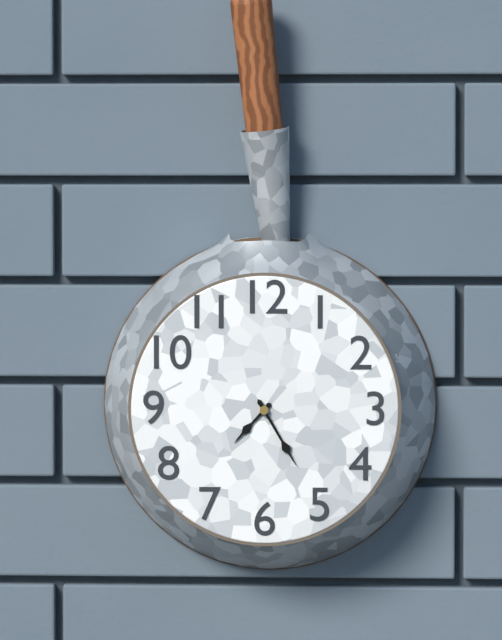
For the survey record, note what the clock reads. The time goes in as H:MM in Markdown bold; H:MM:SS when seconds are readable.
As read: **7:25**
